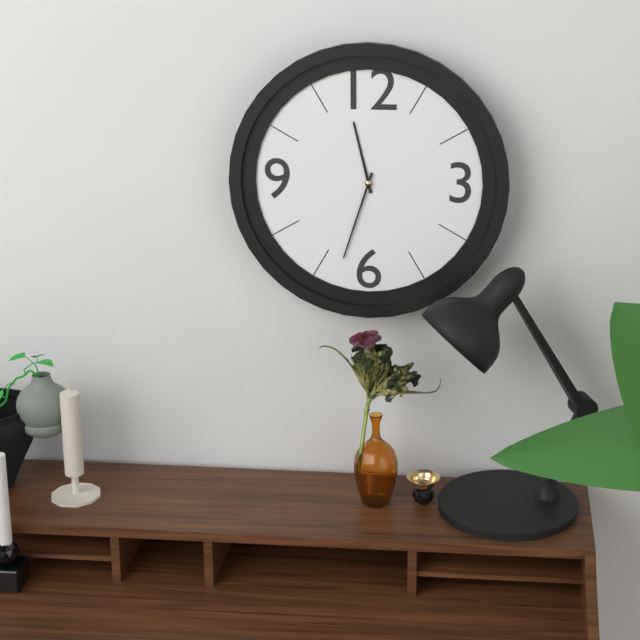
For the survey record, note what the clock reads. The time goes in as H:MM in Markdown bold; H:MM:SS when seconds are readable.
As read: **11:33**
